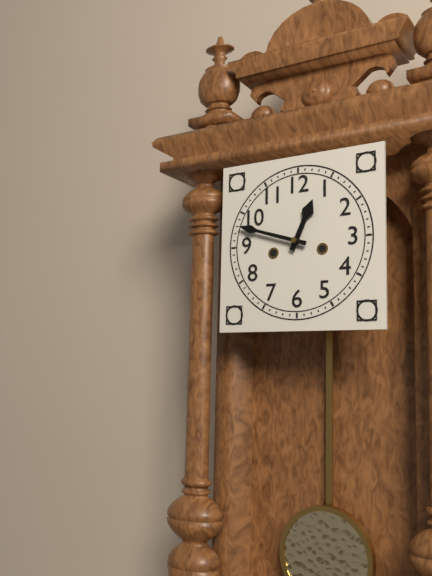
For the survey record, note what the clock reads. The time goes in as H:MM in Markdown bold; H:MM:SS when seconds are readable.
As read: **12:48**
